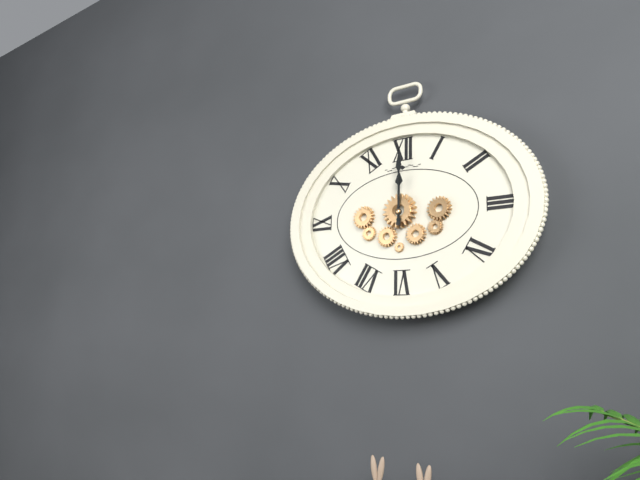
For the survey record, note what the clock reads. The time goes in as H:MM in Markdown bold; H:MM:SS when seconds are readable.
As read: **12:00**
